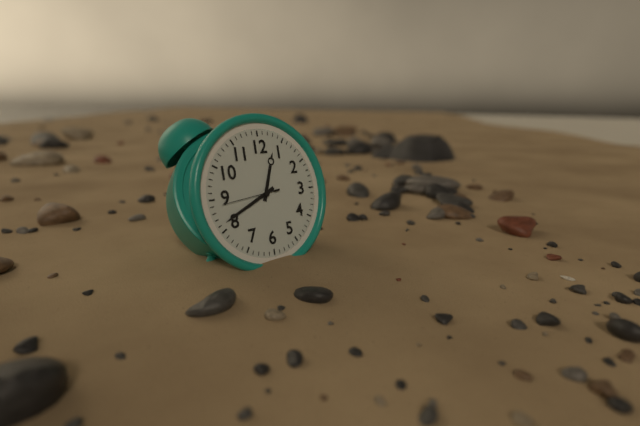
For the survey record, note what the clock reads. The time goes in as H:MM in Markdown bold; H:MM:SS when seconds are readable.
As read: **12:41:44**
